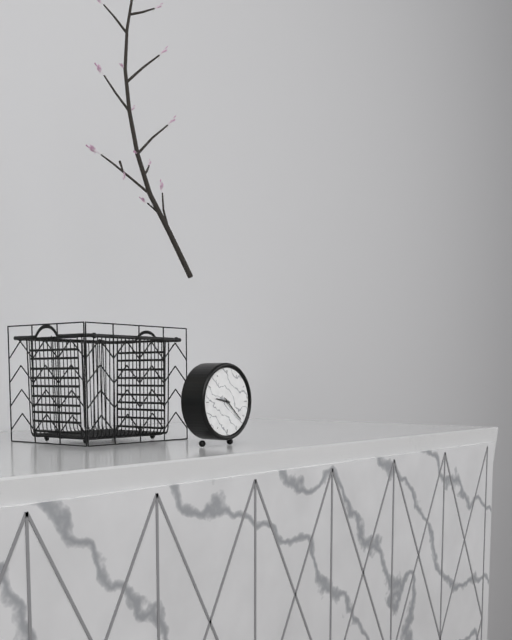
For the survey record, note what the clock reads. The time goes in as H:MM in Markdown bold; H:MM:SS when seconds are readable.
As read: **9:22**
